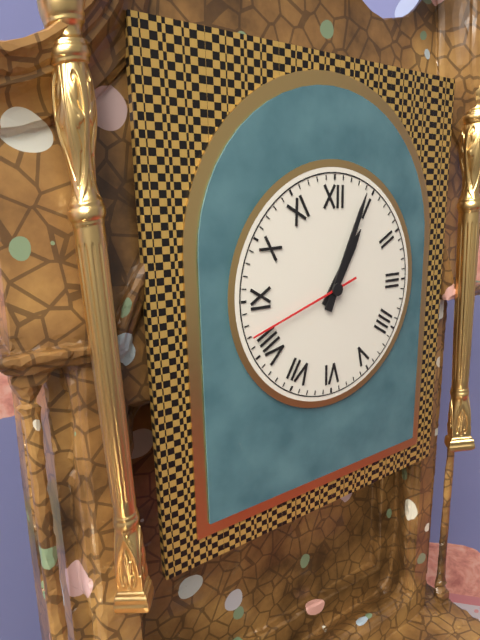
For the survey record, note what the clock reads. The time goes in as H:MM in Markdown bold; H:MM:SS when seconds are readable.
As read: **1:04:42**
